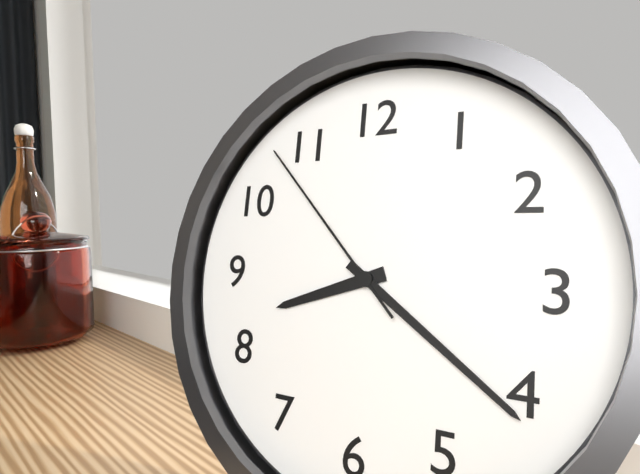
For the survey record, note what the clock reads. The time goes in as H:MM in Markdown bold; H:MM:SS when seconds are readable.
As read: **8:21:53**
